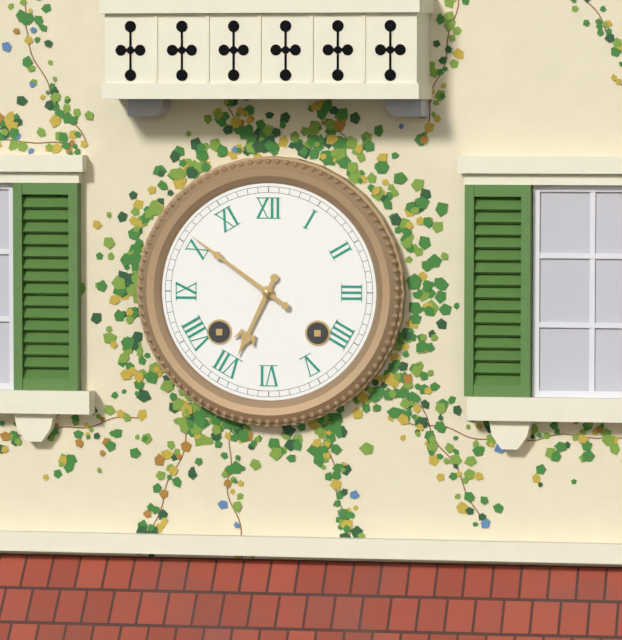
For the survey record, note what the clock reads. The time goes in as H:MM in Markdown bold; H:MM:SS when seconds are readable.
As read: **6:51**
